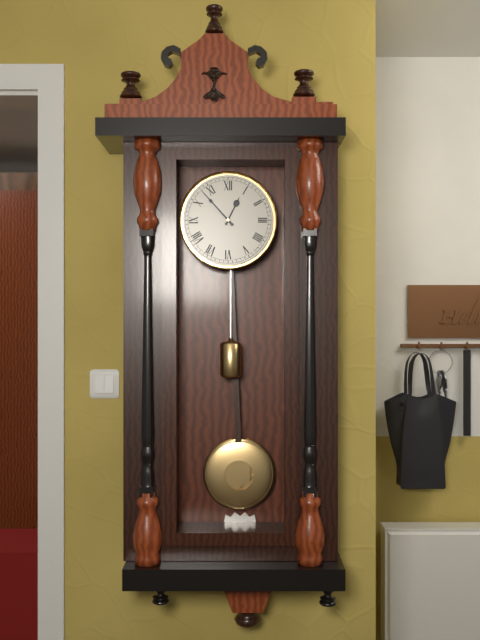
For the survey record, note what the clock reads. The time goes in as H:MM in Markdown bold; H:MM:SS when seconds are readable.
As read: **12:53**
